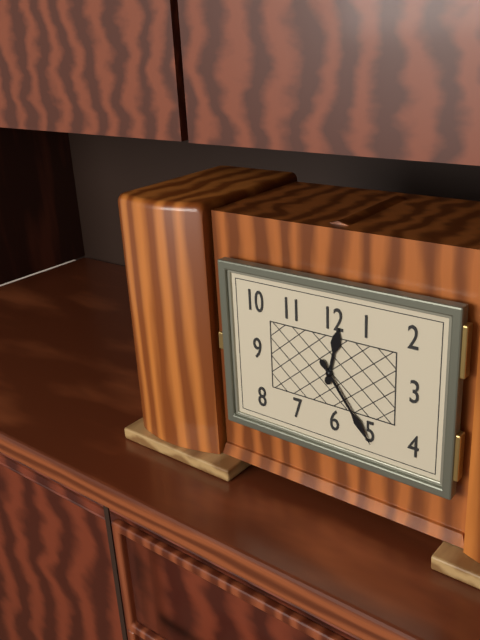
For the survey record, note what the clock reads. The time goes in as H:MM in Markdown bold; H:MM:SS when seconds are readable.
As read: **12:24**
